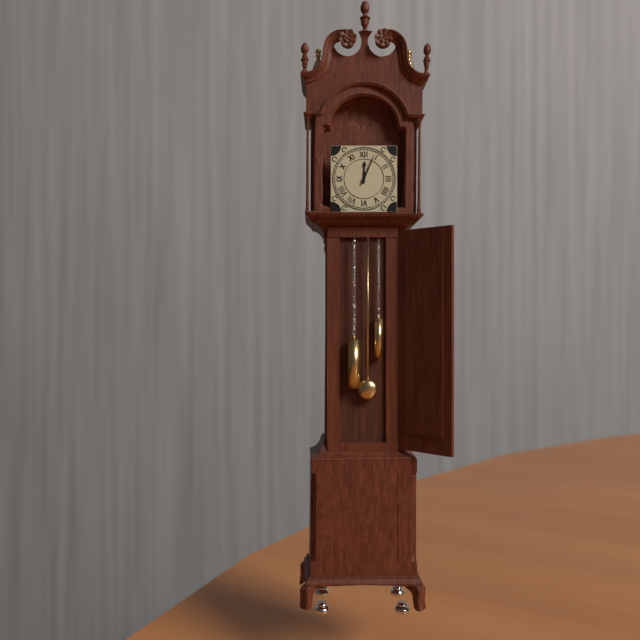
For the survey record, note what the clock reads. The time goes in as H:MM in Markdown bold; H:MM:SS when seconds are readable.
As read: **12:04**
